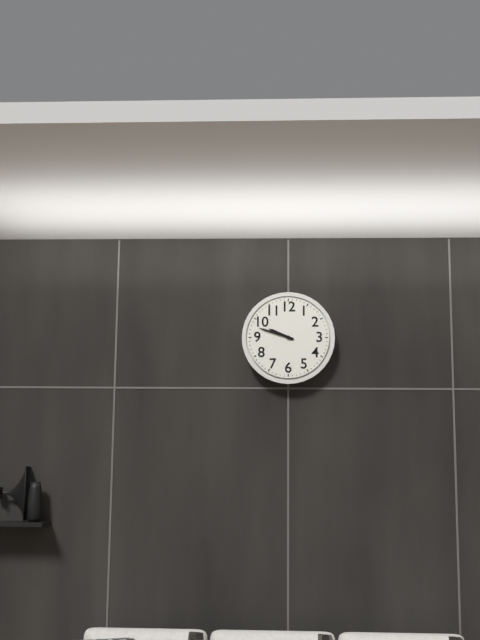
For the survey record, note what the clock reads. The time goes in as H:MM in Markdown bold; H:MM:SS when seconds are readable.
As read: **9:48**
